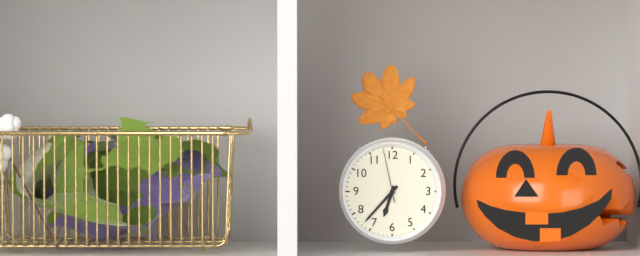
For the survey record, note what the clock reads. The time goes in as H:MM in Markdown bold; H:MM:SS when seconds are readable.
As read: **6:37:58**
